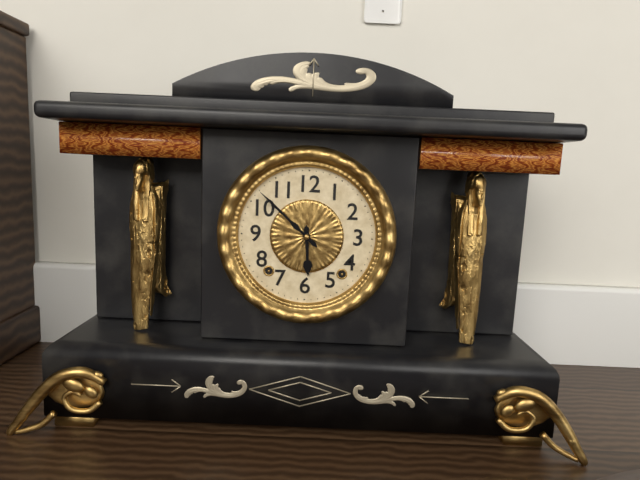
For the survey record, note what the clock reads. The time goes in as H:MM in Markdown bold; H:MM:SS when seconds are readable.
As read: **5:52**
